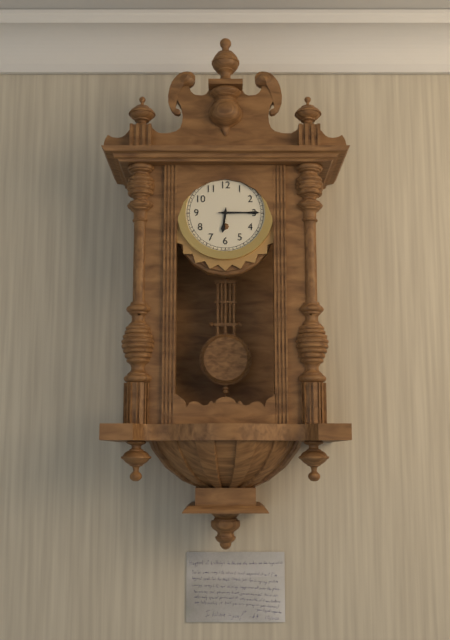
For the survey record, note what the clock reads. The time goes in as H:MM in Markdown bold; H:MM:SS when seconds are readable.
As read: **6:15**
